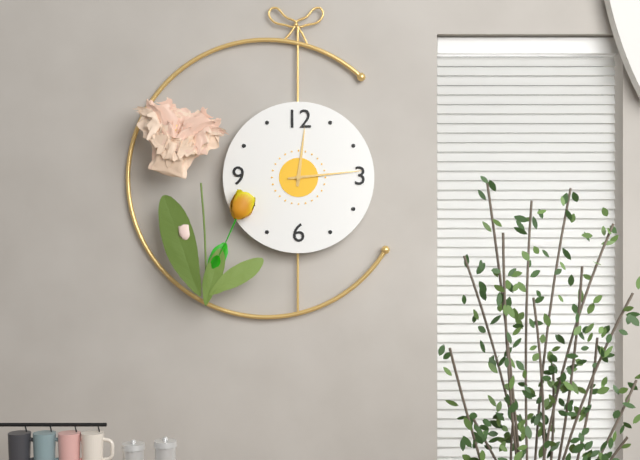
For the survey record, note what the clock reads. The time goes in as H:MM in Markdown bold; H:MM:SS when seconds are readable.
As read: **12:14**
